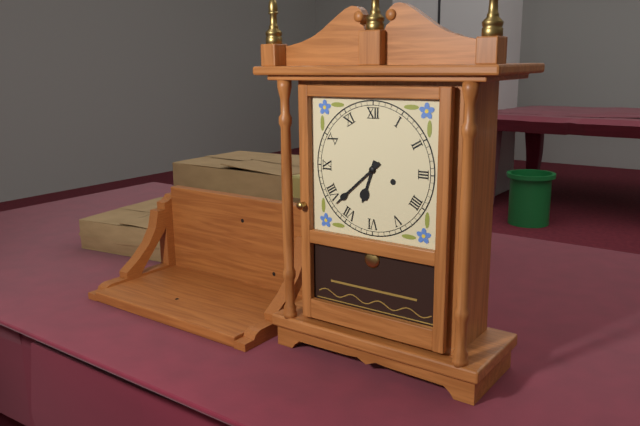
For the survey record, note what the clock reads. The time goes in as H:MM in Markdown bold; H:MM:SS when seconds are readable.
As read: **6:38**
